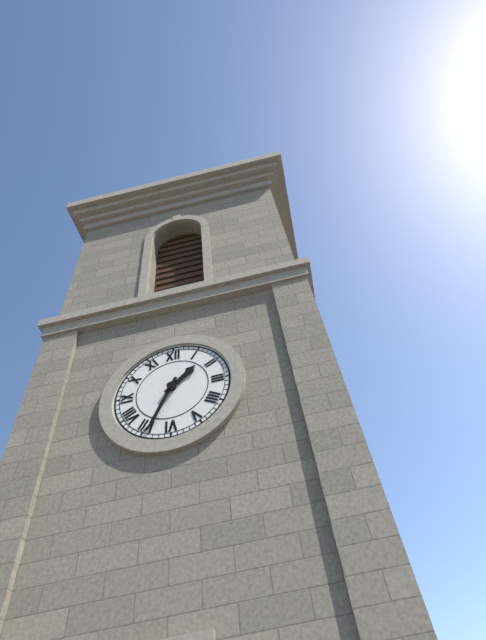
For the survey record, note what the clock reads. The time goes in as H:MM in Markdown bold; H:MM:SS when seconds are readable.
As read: **1:34**
